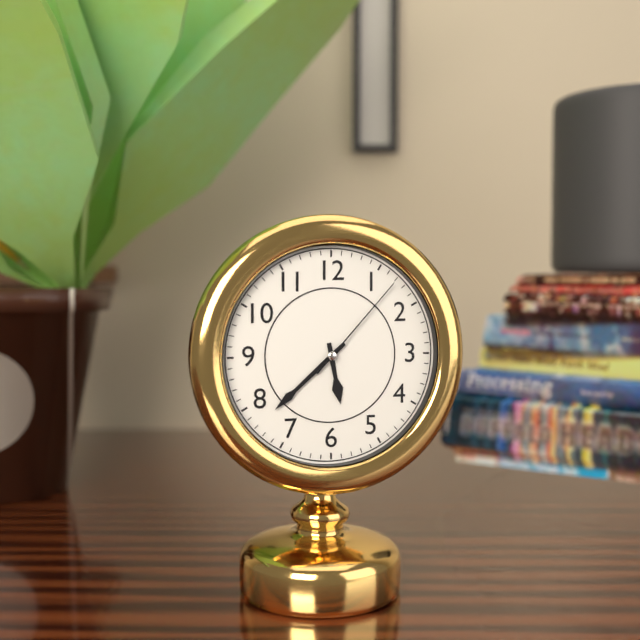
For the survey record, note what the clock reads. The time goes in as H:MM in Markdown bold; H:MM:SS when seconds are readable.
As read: **5:38:07**
